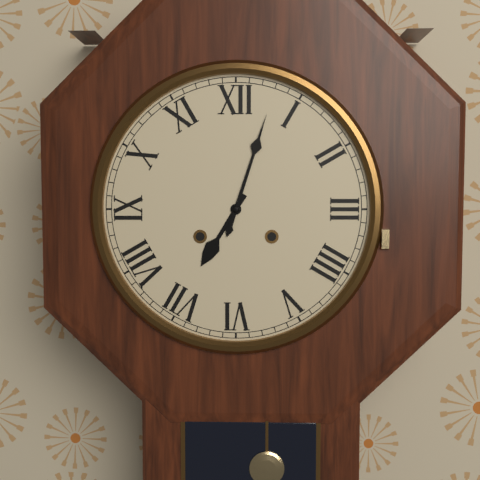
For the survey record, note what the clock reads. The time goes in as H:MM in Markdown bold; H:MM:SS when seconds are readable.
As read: **7:03**
